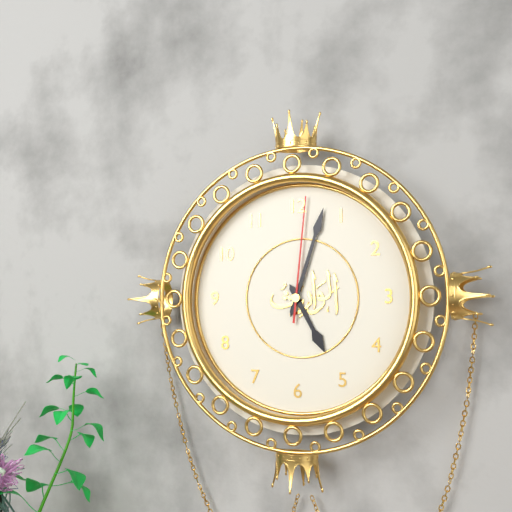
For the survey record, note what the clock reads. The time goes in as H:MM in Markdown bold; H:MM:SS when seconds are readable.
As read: **5:03:01**
